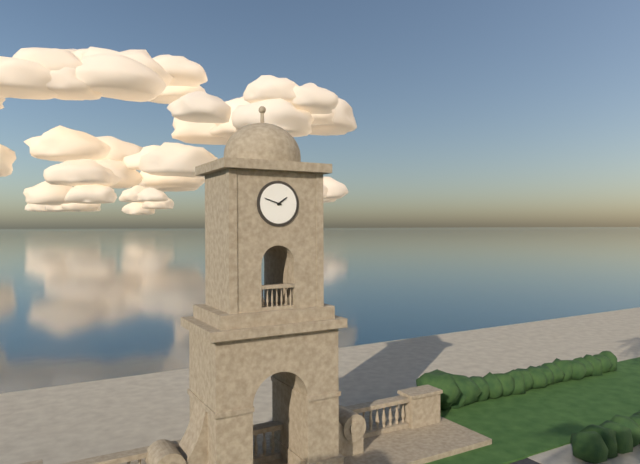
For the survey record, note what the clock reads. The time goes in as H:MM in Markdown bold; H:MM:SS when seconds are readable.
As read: **1:48**
